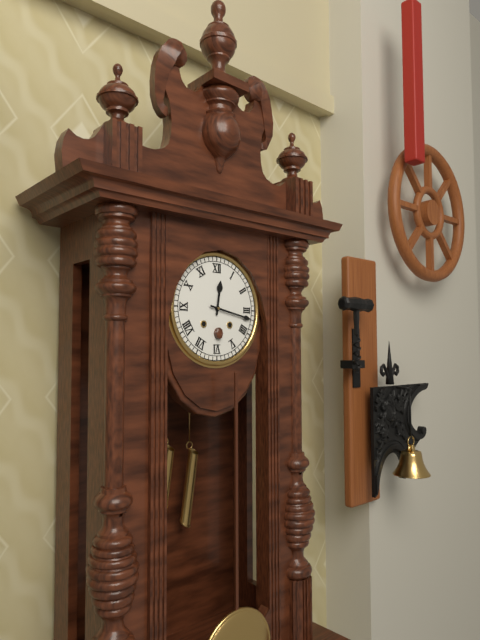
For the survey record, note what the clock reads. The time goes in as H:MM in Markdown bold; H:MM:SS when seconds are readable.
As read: **12:17**
